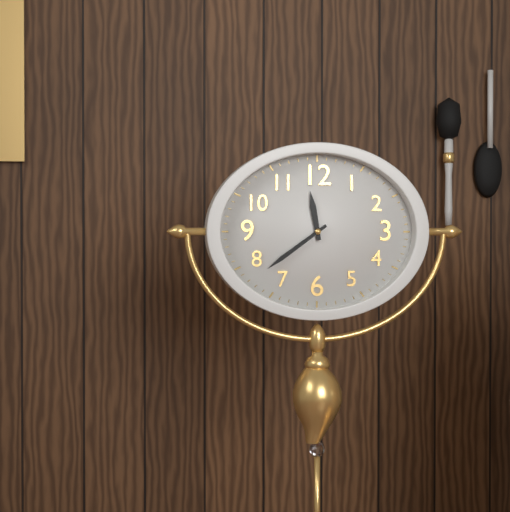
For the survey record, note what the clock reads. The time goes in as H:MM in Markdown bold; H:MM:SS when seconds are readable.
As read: **11:39**
